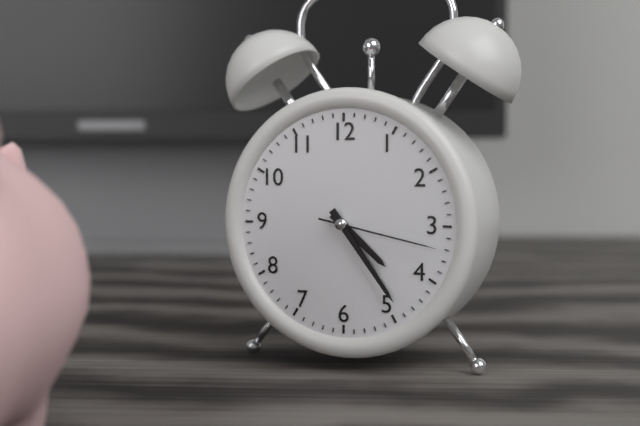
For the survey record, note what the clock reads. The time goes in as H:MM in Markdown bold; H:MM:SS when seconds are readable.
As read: **4:24:17**
